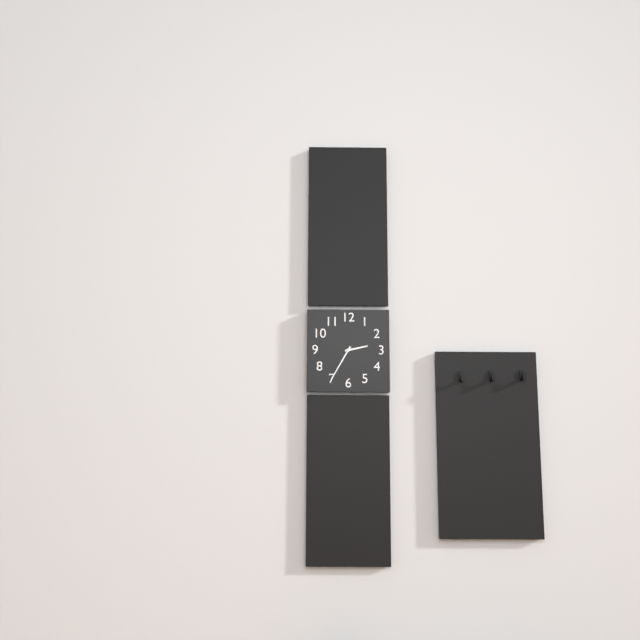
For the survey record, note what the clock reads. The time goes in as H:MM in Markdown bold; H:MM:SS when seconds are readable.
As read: **2:35**
